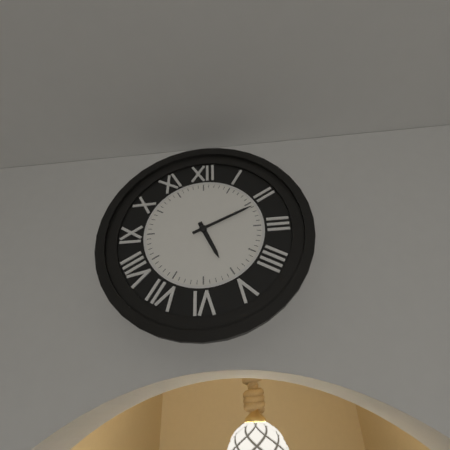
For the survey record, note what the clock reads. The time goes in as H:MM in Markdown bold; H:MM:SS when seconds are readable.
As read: **5:11**
